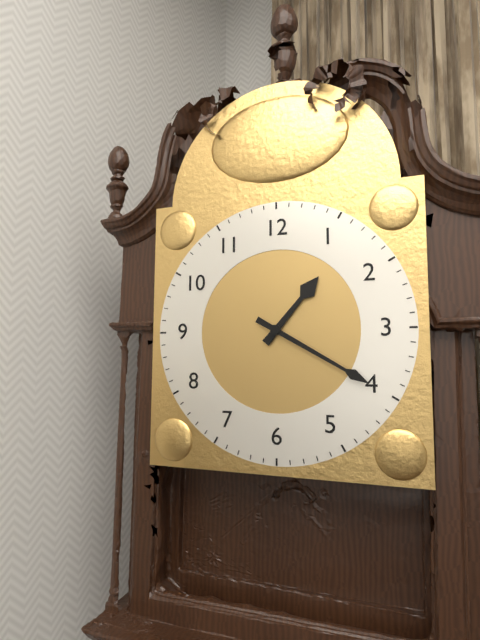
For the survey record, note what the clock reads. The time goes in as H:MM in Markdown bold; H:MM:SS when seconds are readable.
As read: **1:20**
